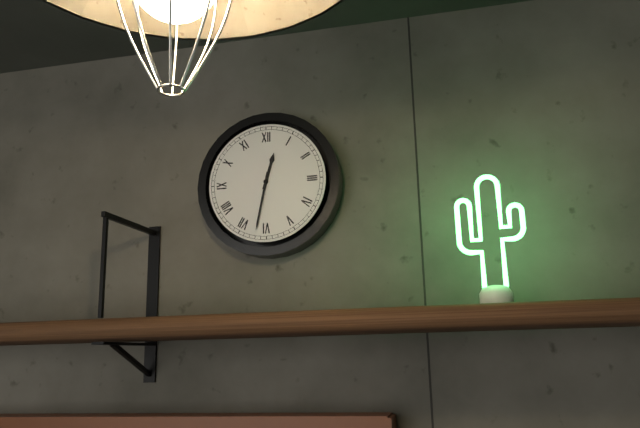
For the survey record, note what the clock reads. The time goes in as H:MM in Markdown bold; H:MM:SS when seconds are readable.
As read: **12:32**
